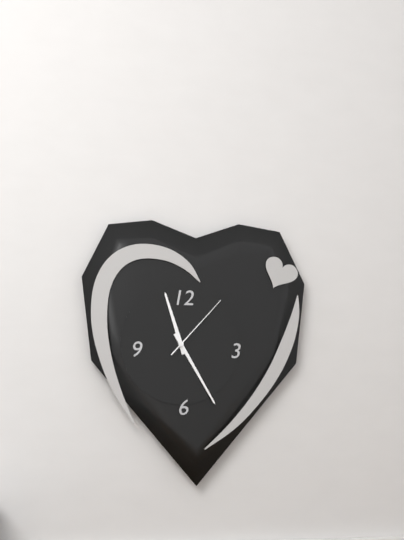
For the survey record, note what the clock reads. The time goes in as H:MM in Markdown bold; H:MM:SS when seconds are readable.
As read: **11:25:07**
